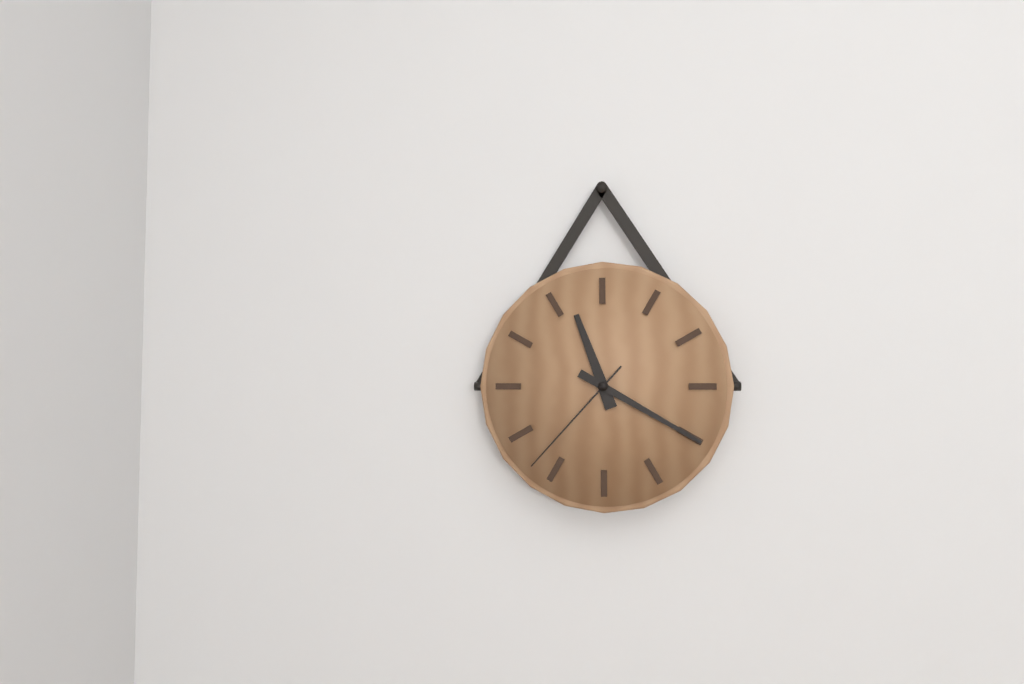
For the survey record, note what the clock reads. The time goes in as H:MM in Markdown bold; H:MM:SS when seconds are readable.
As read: **11:20:37**
